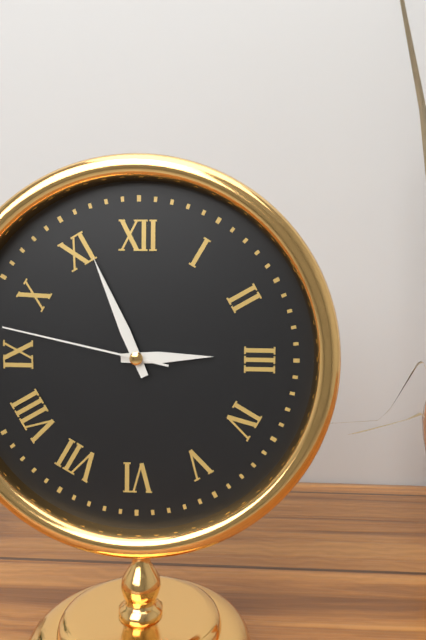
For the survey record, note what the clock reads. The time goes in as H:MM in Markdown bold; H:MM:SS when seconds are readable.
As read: **2:56:47**
